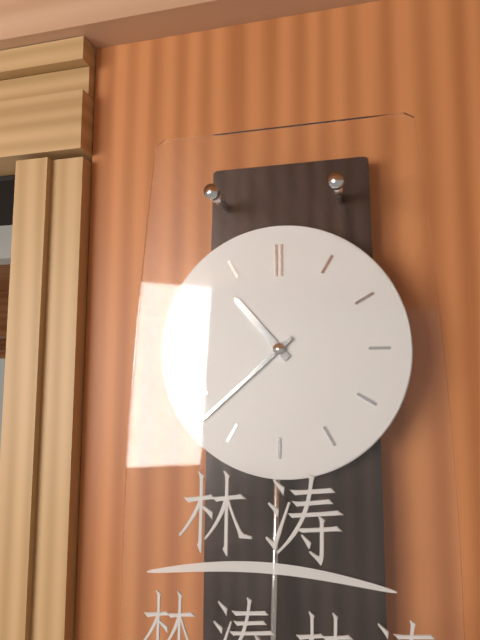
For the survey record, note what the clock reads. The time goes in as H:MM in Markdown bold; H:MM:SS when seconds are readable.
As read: **10:38**
